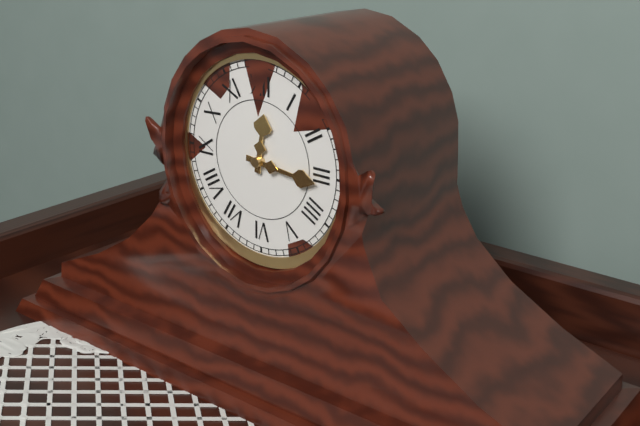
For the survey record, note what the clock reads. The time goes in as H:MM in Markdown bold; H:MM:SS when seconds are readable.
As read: **12:16**
